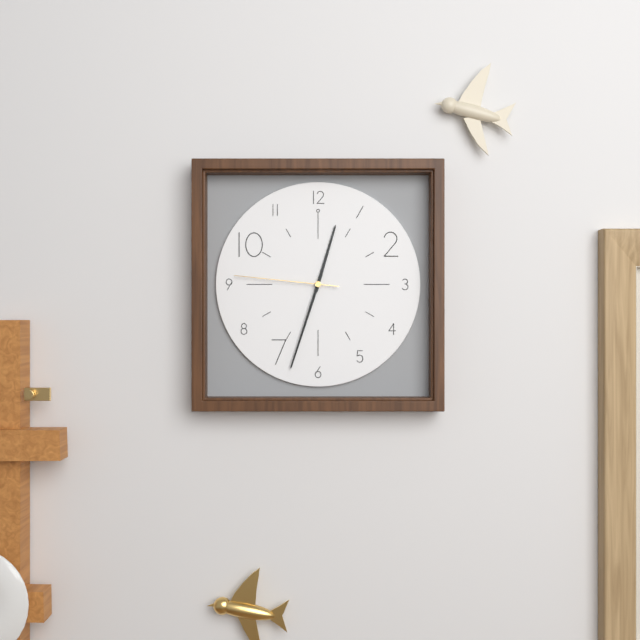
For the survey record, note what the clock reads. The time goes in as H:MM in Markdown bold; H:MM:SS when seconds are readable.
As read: **12:33:46**
